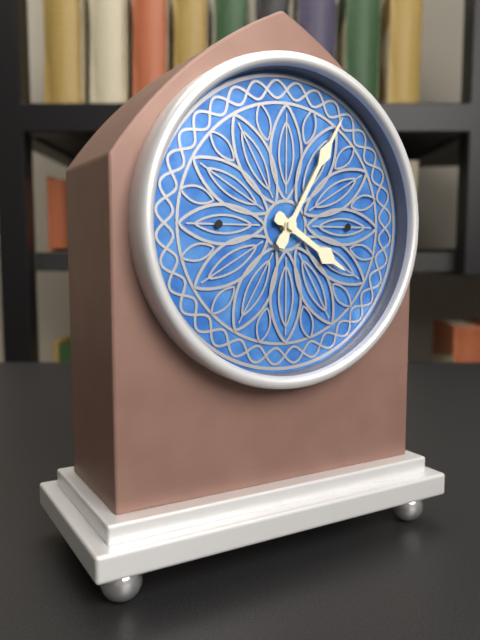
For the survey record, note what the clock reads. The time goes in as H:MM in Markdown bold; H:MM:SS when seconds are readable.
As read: **4:05**
